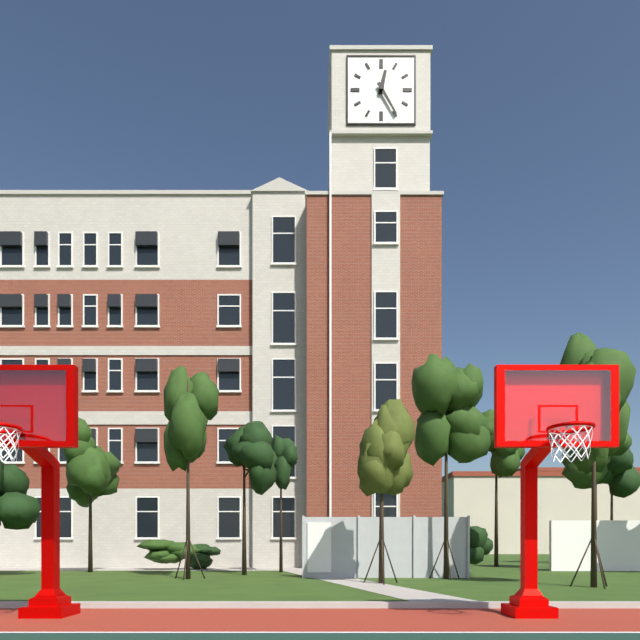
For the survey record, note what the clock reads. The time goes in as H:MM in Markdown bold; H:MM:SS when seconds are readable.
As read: **12:25**
